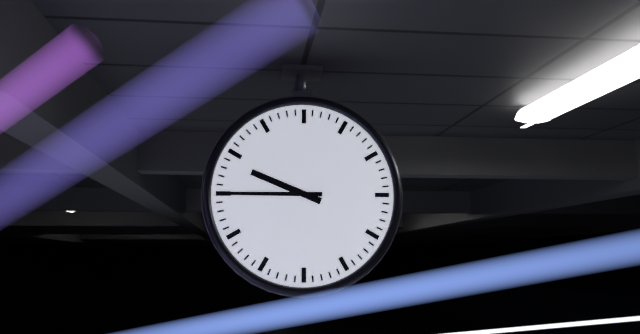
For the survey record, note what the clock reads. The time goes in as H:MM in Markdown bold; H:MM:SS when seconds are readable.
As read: **9:45**
